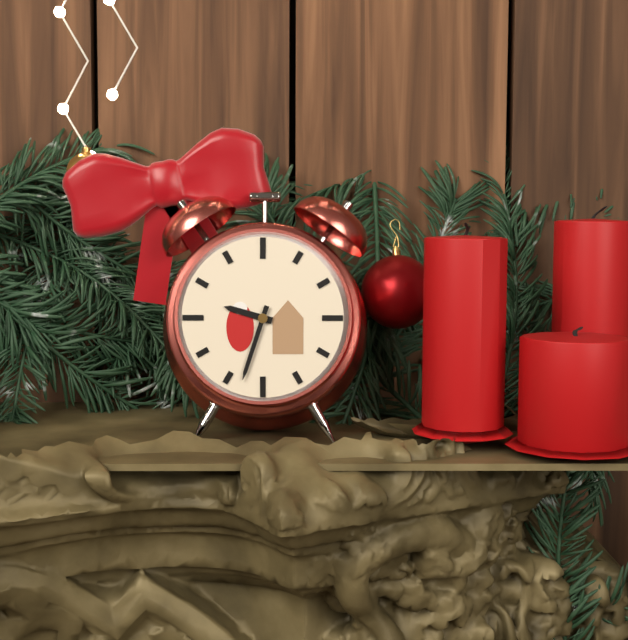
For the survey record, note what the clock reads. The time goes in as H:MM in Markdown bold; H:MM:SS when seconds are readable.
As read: **9:33**
